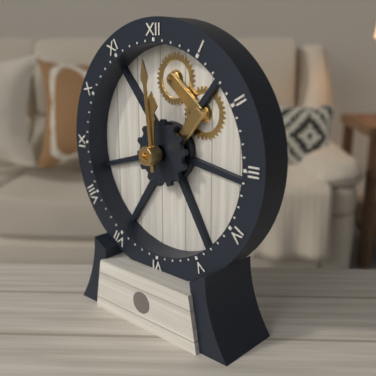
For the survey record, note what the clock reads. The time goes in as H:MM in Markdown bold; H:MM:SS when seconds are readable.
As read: **11:59**
